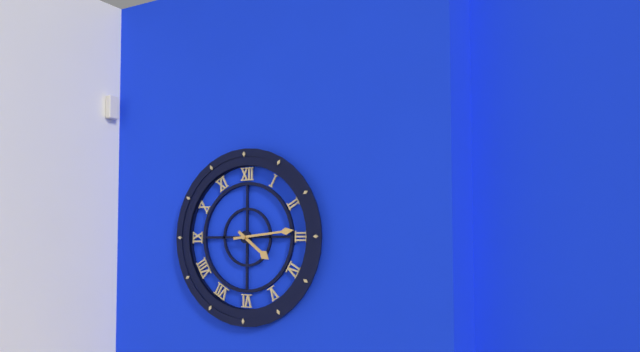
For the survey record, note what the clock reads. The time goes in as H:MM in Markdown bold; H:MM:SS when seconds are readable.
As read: **4:14**
